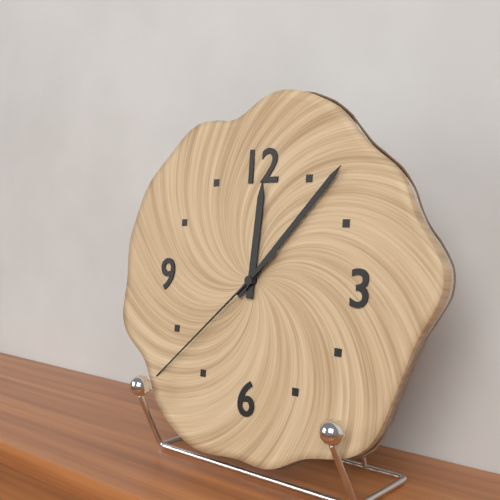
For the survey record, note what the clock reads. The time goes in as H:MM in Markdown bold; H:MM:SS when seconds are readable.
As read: **12:07:38**
